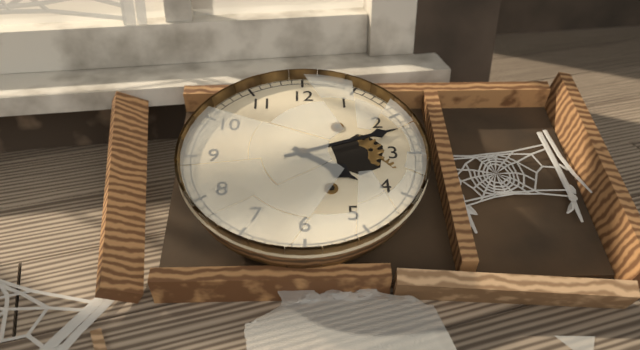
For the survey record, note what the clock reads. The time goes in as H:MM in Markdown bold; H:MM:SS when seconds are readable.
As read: **4:12**
